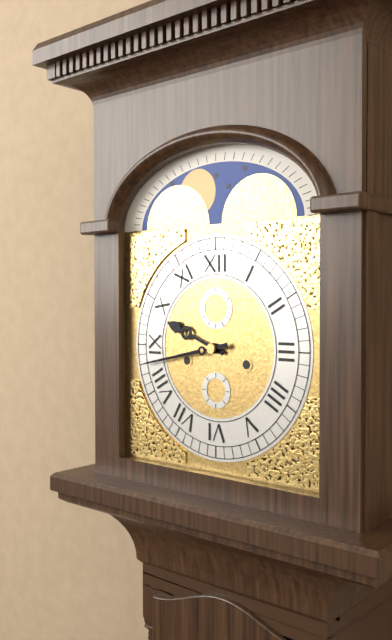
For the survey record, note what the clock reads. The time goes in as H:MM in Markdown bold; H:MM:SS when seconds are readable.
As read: **9:43**
